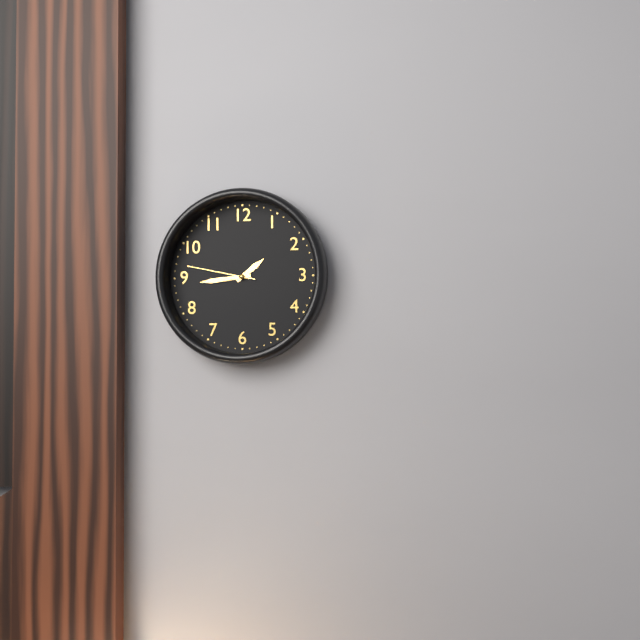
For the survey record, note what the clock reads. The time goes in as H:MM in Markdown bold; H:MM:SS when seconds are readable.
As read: **1:44:47**
